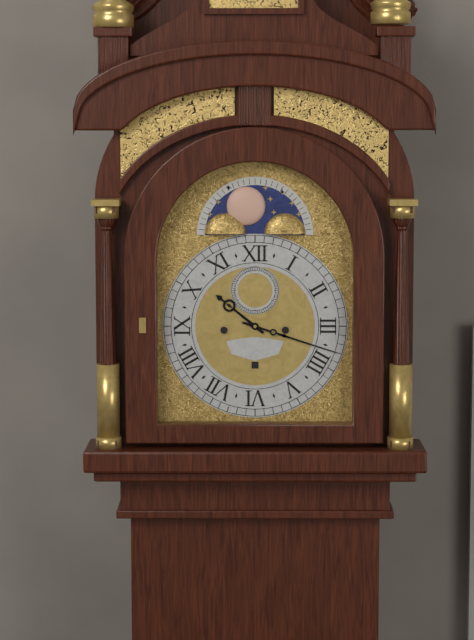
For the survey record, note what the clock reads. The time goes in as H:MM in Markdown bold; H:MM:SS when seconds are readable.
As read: **10:18**
